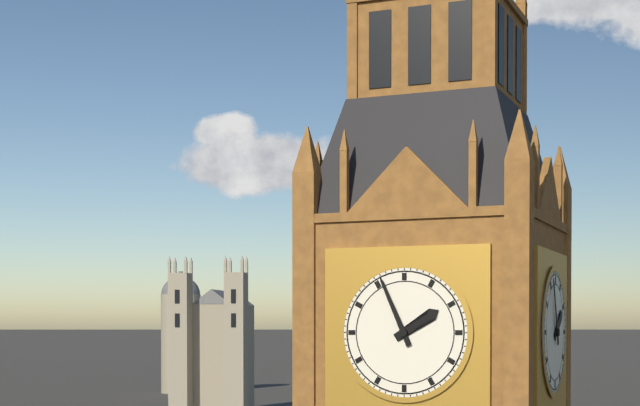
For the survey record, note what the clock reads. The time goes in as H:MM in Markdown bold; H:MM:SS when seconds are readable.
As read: **1:56**
